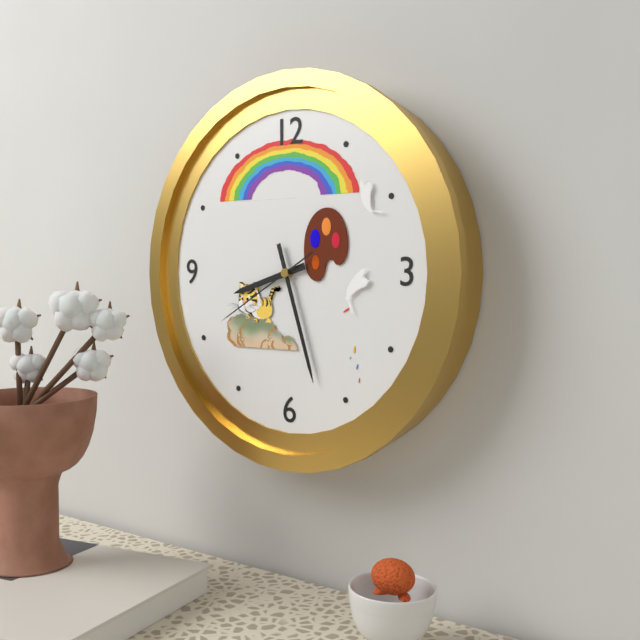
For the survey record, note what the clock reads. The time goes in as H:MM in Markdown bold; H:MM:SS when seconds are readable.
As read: **8:27:40**
